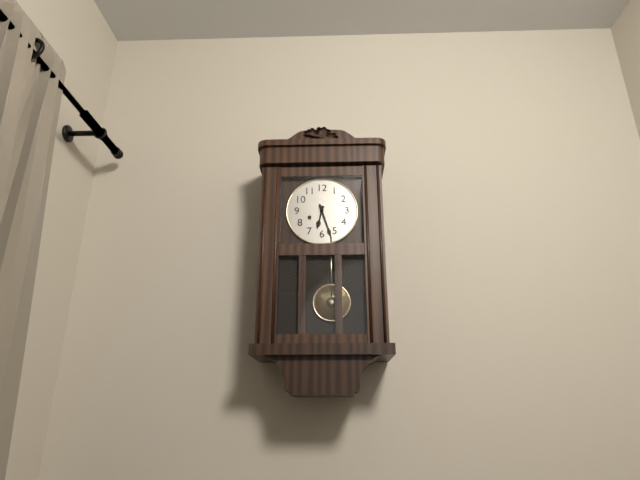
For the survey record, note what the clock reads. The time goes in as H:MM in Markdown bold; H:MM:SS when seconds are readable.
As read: **6:27**
